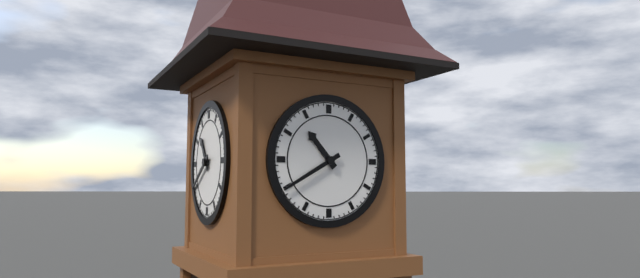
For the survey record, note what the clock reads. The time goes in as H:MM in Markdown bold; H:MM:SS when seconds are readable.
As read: **10:40**
